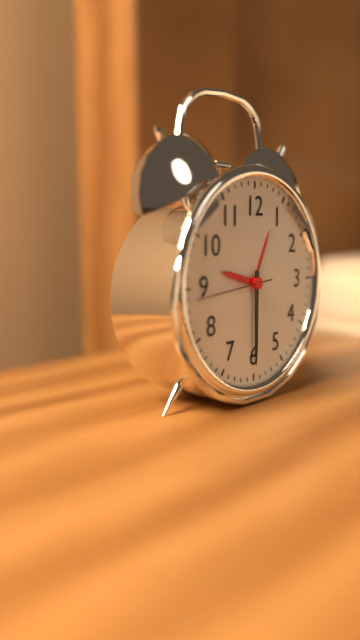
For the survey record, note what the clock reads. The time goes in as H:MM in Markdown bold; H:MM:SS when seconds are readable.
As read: **9:30:44**
